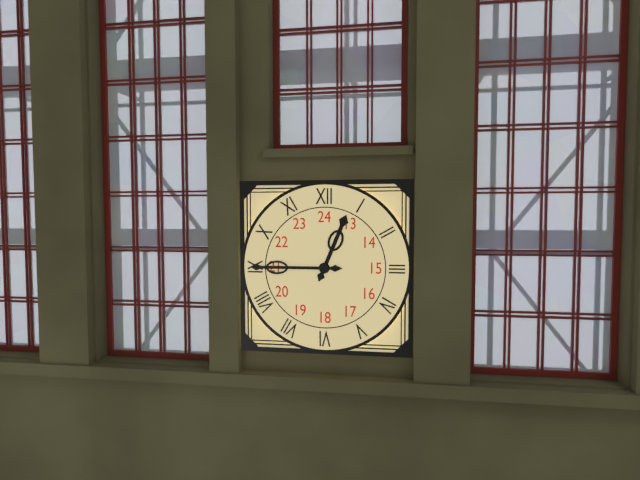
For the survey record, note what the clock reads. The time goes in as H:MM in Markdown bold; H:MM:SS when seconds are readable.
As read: **12:45**
